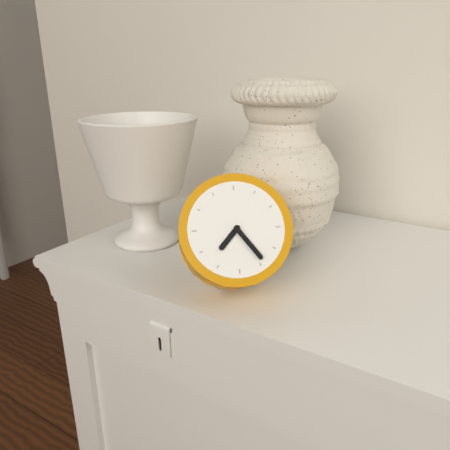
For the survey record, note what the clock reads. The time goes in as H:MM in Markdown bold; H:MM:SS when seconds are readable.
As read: **7:24**
